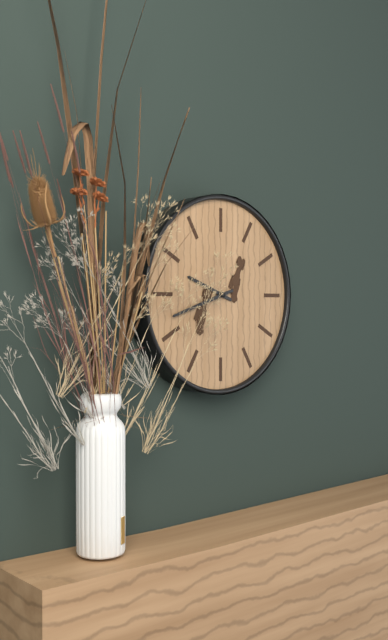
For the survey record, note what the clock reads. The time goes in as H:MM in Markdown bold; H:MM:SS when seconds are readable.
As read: **9:42**
